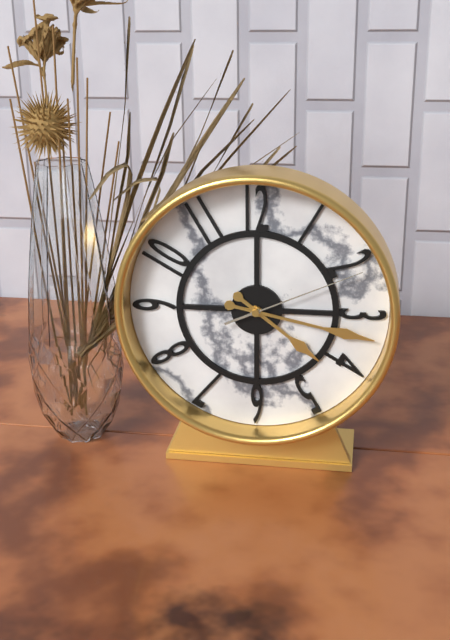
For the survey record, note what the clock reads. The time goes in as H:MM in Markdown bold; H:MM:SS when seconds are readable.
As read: **4:17:11**
